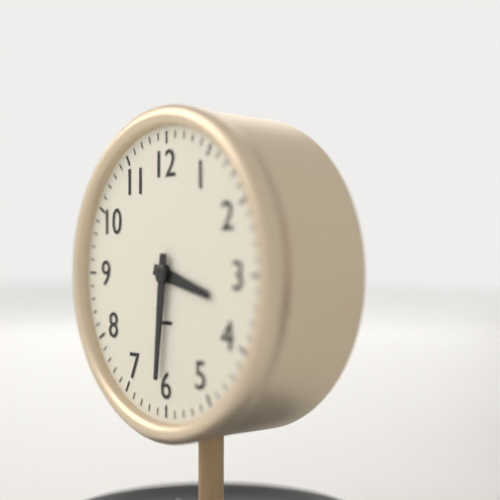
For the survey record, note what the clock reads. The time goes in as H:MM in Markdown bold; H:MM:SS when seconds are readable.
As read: **3:31**
